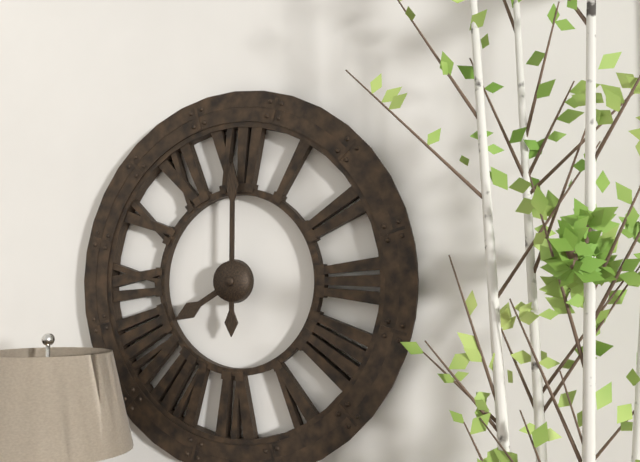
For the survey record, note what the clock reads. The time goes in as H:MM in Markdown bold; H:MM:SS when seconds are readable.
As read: **8:00**
